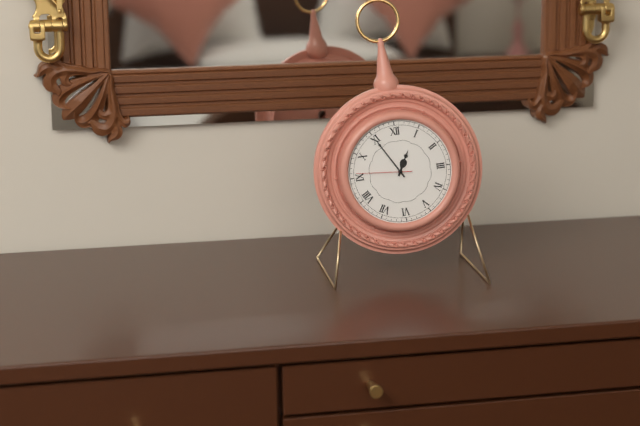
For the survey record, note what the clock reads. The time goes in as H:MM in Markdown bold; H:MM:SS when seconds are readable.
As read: **12:55:46**
